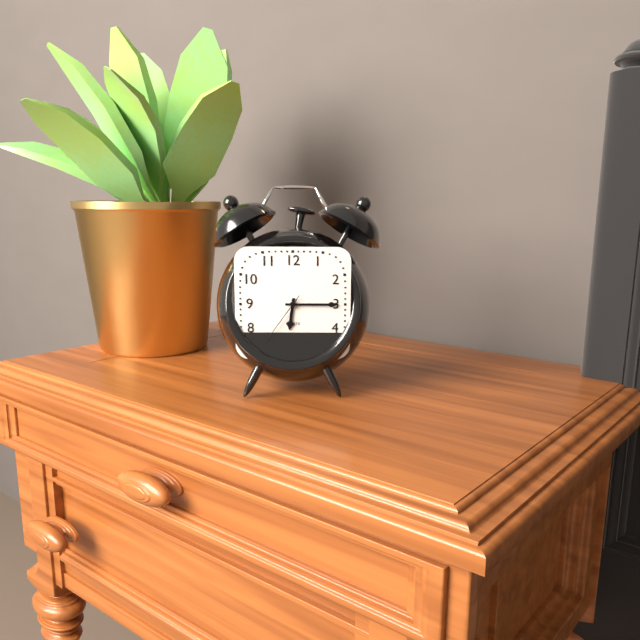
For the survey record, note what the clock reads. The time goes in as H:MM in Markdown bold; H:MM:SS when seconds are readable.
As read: **6:15:36**
